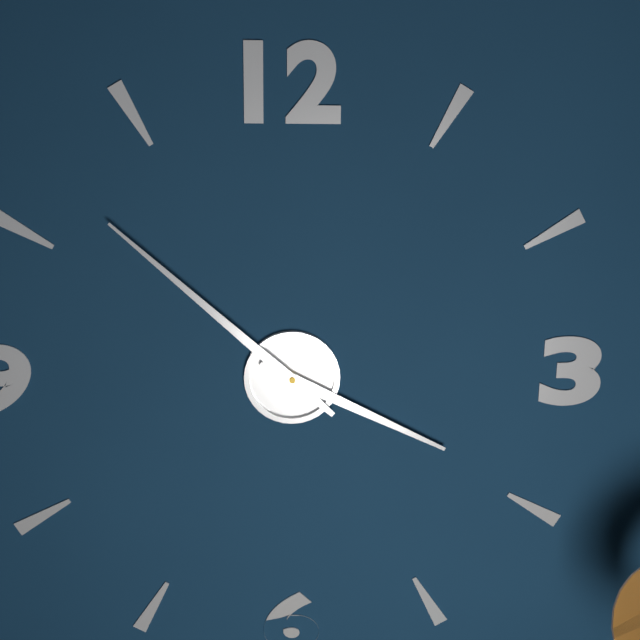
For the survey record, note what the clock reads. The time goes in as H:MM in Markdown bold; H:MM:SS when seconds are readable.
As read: **3:52**
